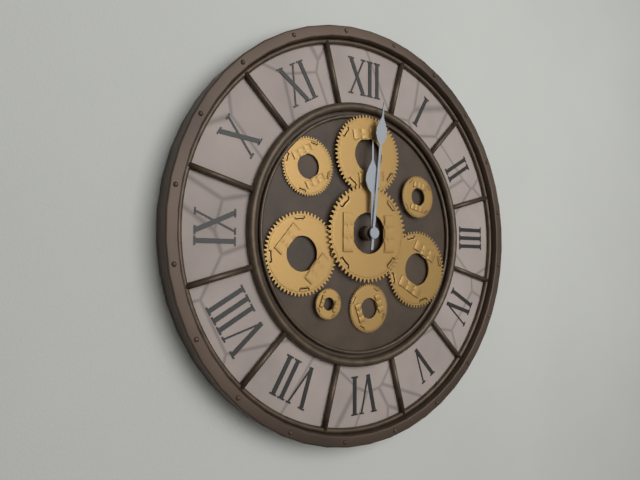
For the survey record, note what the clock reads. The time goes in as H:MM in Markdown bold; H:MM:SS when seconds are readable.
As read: **12:01**
